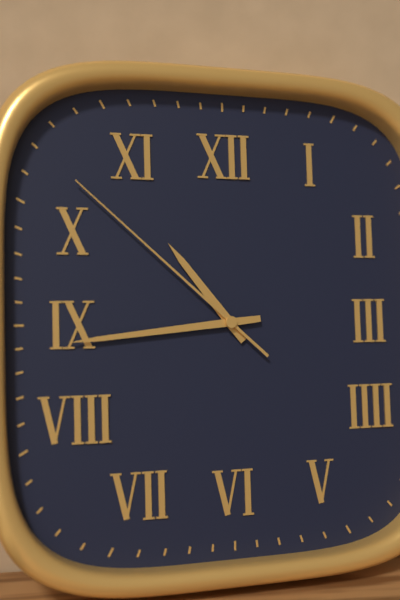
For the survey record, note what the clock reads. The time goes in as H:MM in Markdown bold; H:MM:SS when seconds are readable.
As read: **10:44:52**
